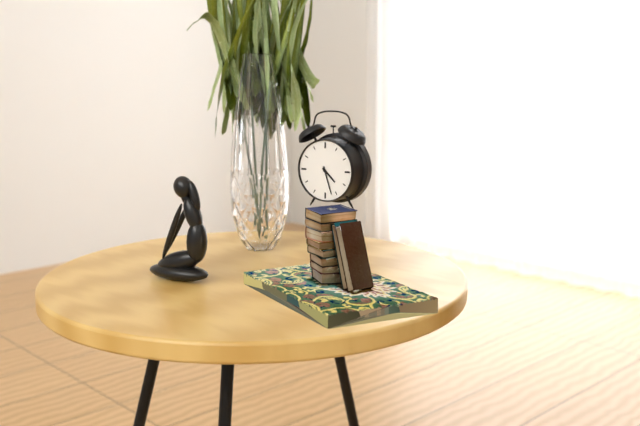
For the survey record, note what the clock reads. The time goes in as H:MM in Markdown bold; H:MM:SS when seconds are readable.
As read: **4:27**
